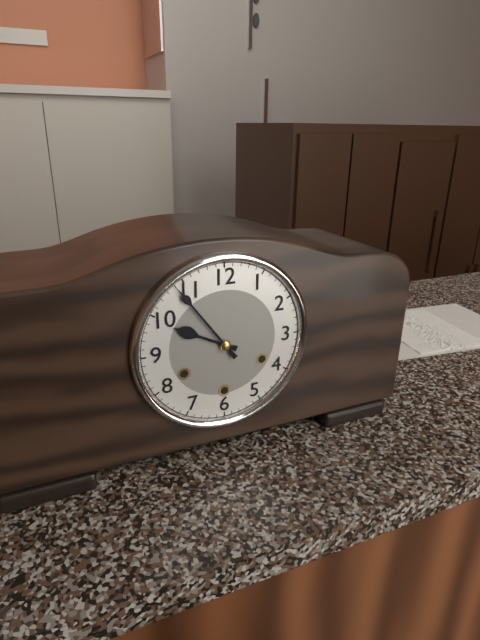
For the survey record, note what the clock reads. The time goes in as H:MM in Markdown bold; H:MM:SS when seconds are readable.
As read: **9:54**
